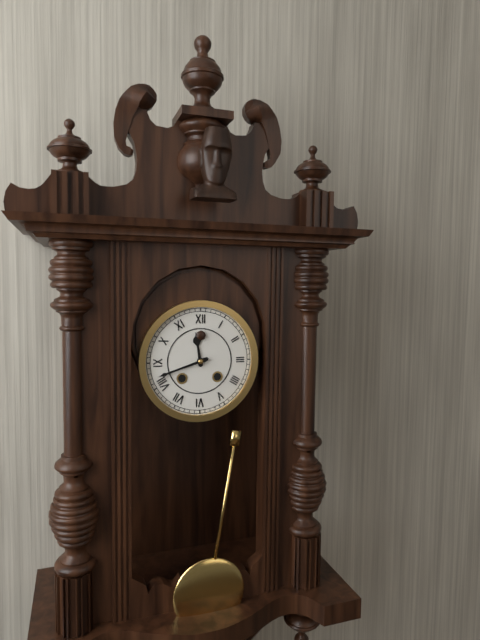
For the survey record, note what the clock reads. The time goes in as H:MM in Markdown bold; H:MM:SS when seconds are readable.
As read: **11:42**
